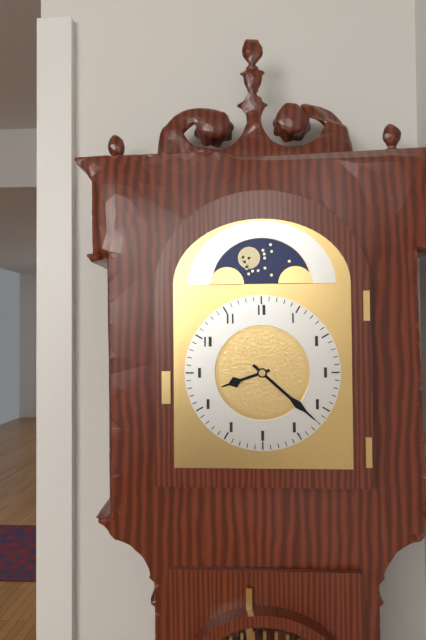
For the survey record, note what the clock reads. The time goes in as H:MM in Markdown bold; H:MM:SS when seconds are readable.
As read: **8:22**
